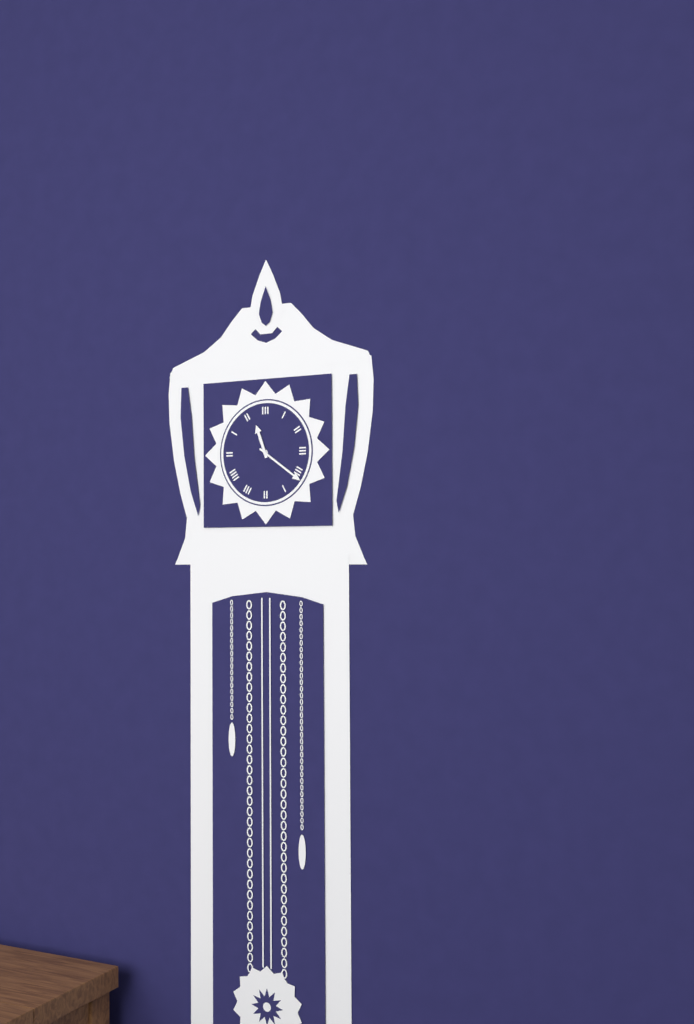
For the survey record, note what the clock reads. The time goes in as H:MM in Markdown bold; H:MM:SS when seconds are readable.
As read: **11:21**
